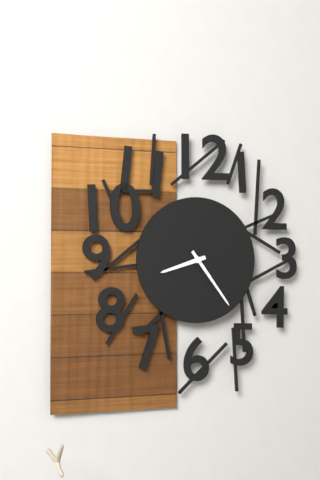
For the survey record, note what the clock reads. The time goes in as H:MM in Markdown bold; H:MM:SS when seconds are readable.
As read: **8:24**
